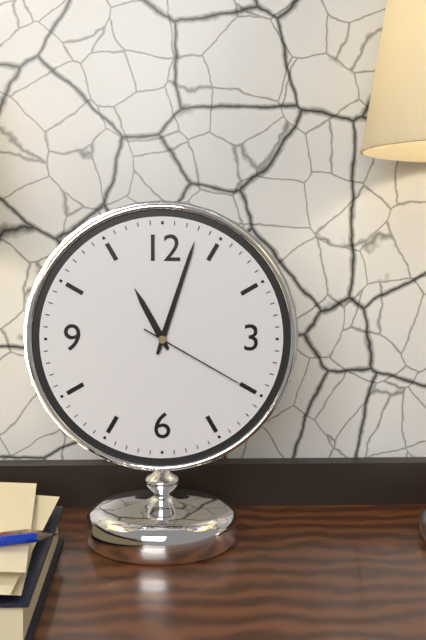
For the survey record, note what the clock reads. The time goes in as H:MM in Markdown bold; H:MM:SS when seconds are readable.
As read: **11:03:20**
